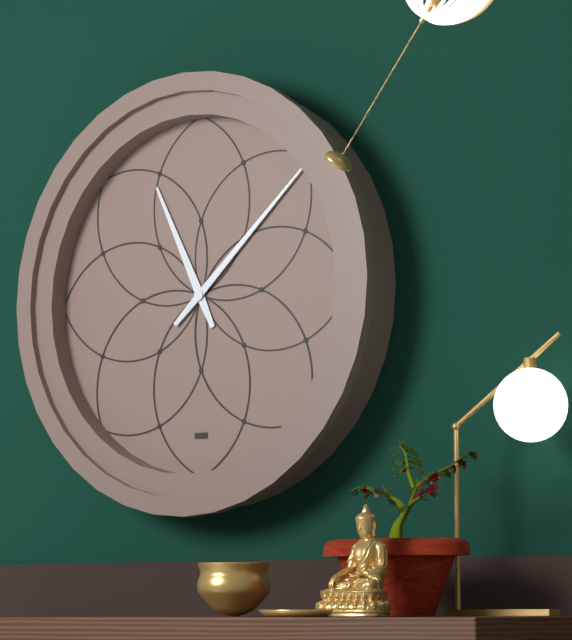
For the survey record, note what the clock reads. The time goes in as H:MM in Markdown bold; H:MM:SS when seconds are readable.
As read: **11:08**
